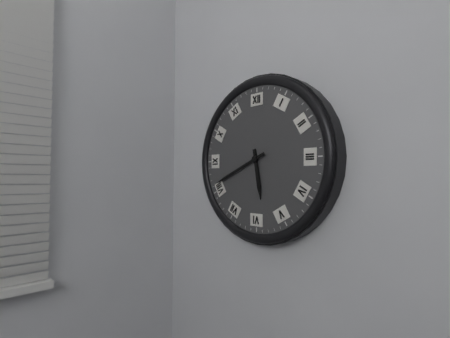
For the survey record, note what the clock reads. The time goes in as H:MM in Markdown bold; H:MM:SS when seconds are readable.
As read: **5:41**
